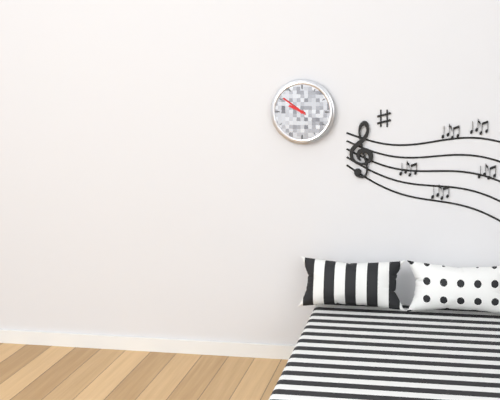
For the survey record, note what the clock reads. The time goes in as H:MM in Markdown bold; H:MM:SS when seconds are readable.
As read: **9:51**
